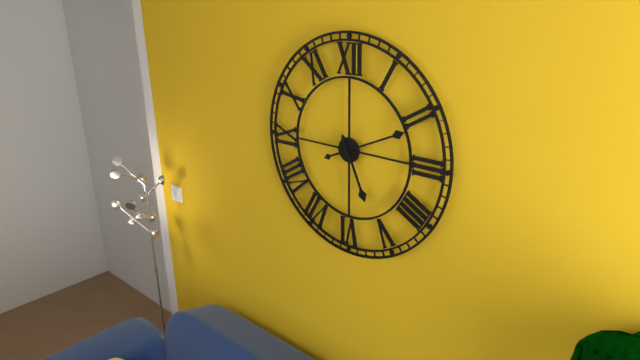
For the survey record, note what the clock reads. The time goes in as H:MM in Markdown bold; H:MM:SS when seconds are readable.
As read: **5:11**
